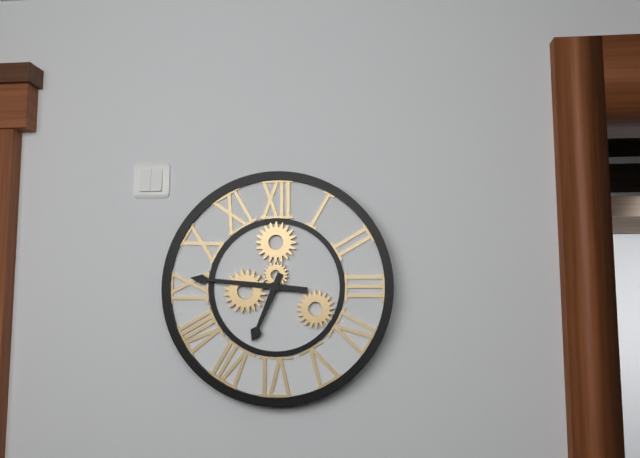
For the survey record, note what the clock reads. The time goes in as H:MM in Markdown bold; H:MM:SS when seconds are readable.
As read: **6:46**
